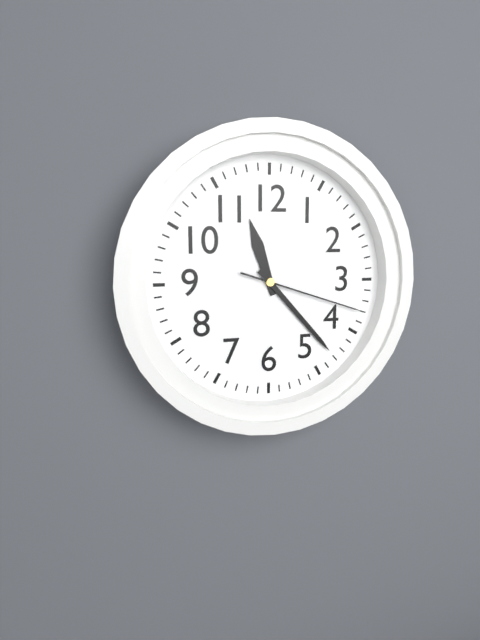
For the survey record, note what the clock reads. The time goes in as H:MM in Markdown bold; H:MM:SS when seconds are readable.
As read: **11:23:18**
